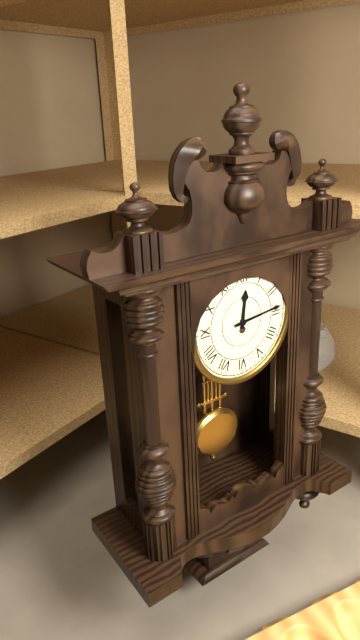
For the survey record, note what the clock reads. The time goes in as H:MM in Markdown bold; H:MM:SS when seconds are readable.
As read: **12:14**
